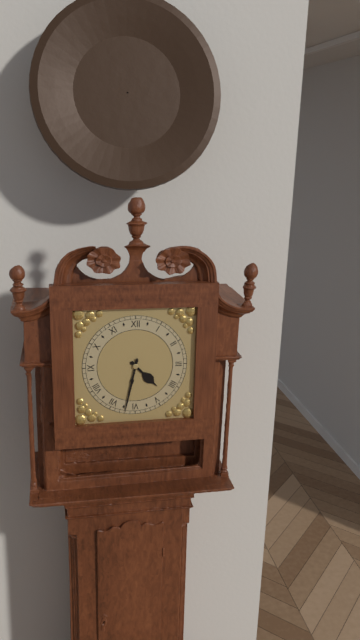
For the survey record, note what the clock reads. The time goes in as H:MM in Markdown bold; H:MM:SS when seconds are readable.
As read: **4:32**
